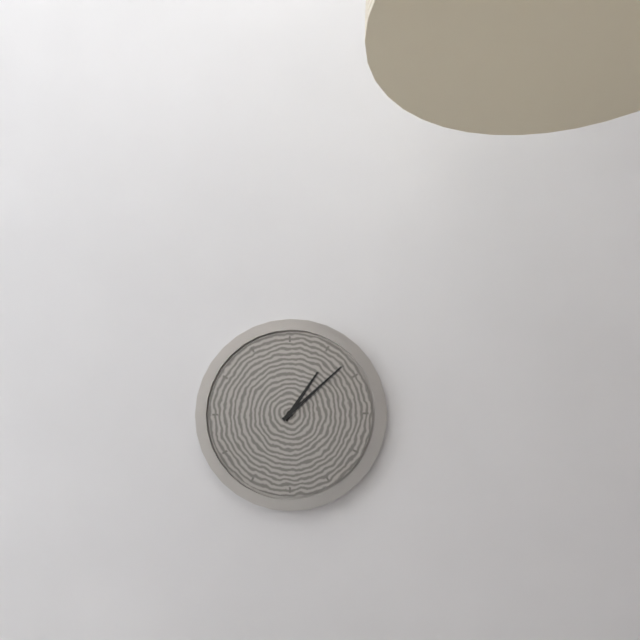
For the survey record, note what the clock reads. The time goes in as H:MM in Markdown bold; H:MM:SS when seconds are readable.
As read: **1:08**
